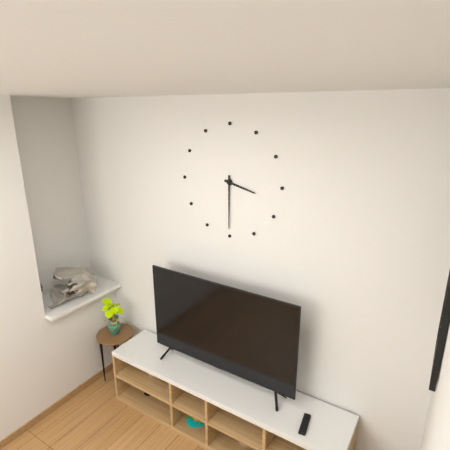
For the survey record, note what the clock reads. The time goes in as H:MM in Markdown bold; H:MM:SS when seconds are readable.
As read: **3:30**
